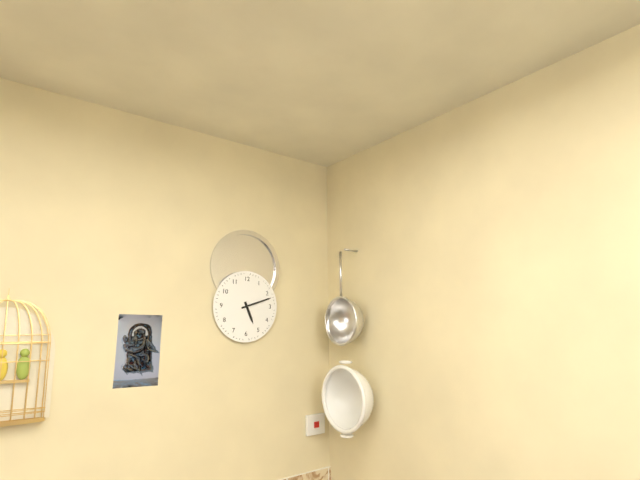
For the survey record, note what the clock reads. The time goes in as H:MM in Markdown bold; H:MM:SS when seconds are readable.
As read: **5:12**
